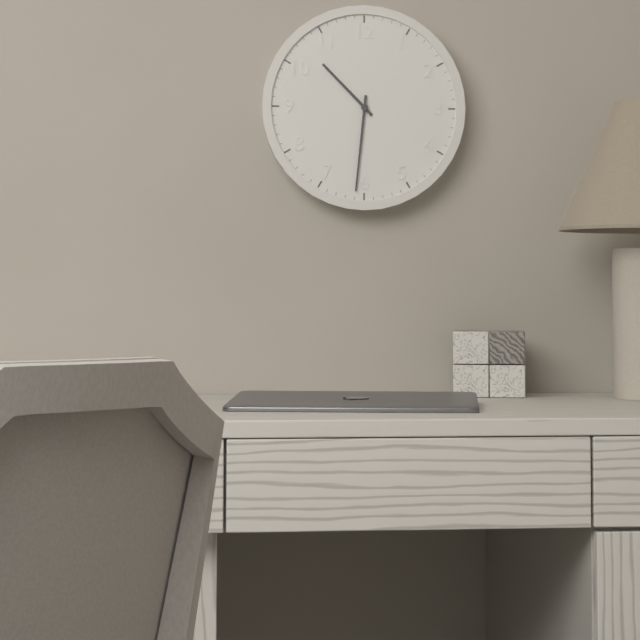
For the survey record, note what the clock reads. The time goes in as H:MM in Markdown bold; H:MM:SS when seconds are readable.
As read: **10:31**
